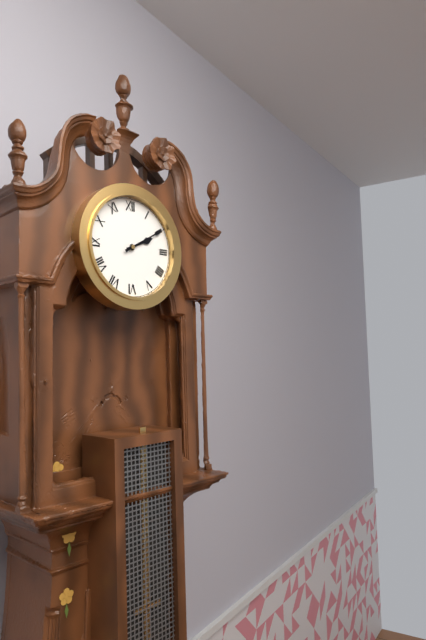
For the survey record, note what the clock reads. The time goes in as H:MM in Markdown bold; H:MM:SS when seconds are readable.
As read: **2:10**
